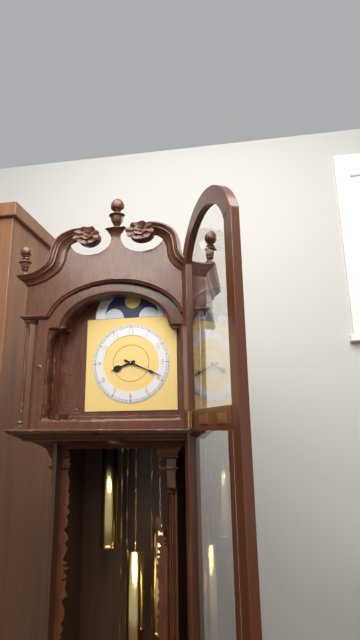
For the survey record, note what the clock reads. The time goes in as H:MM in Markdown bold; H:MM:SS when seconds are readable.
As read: **8:19**
